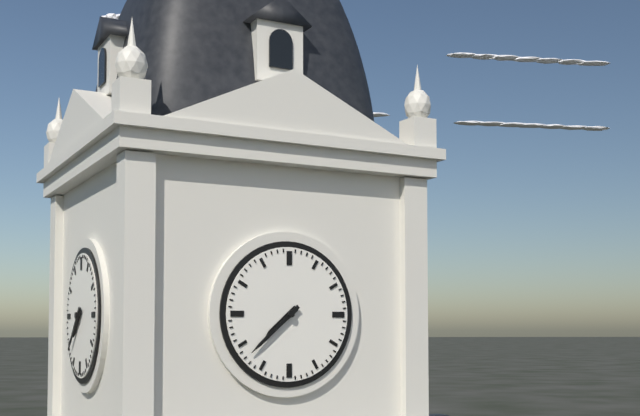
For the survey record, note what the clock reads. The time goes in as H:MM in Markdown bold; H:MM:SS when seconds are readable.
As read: **7:38**
